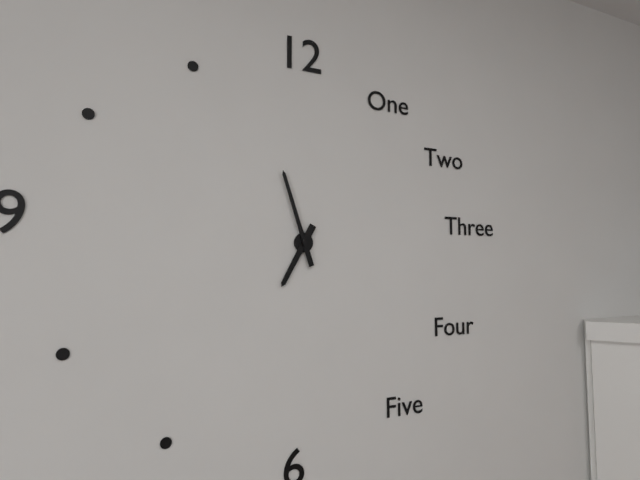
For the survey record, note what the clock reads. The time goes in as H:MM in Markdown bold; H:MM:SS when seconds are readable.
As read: **6:57**
